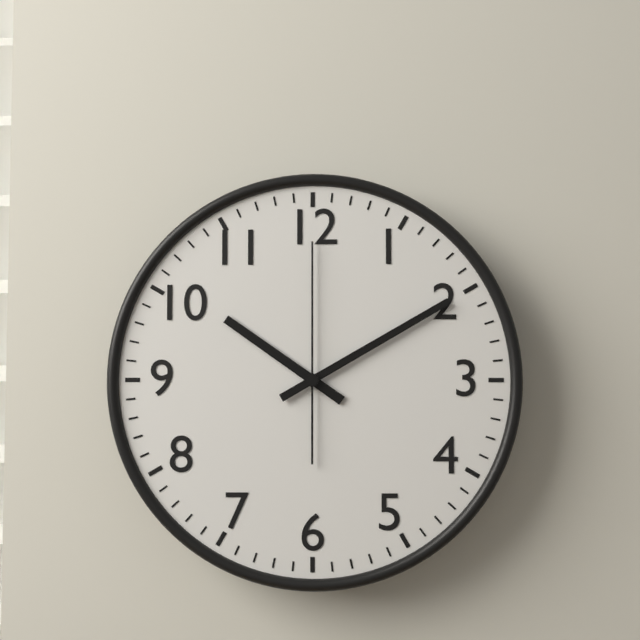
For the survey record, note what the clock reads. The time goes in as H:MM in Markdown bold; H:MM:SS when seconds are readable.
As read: **10:10:00**
